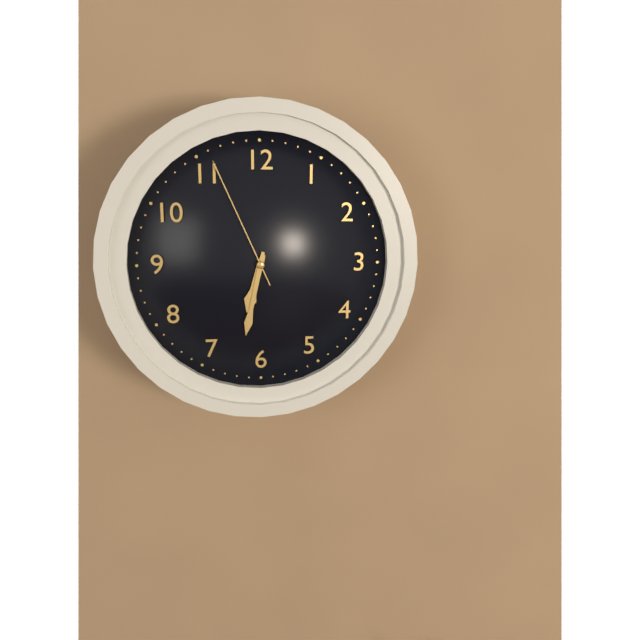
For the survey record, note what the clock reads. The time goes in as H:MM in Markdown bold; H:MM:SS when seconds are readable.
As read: **6:32:56**
